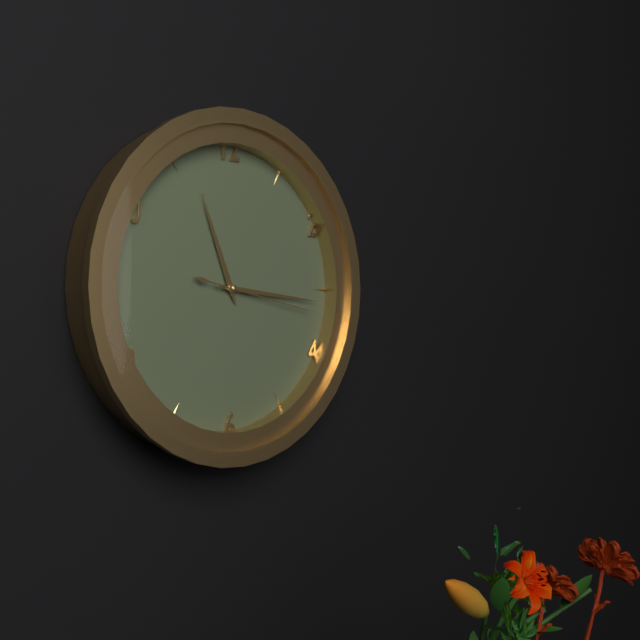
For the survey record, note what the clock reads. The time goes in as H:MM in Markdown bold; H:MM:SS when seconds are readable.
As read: **11:16:17**
